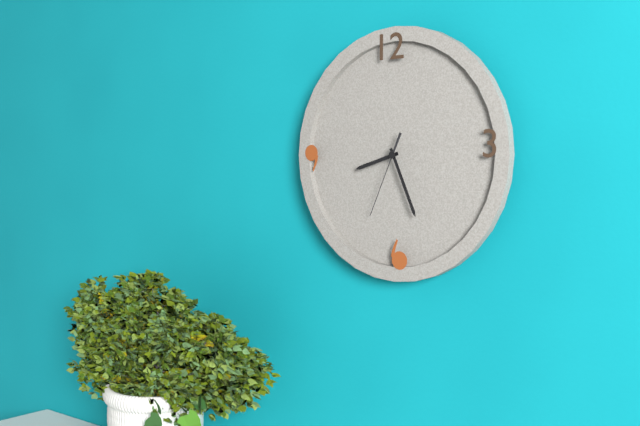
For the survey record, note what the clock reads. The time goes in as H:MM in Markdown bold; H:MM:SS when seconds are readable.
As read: **8:26:34**
